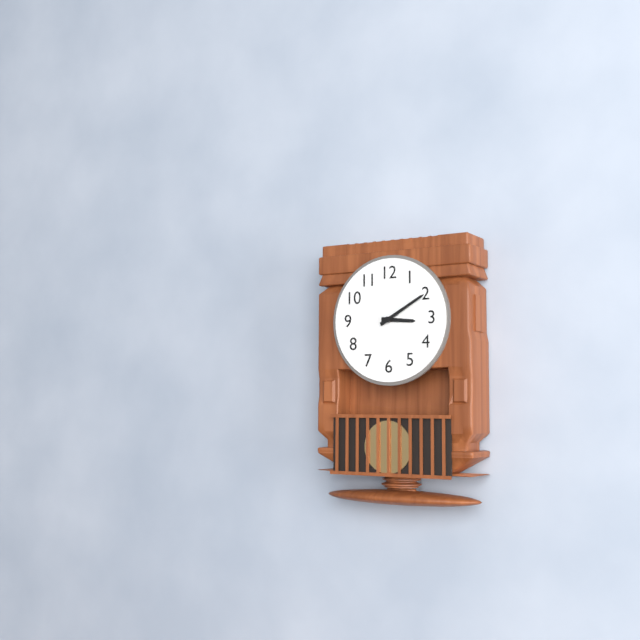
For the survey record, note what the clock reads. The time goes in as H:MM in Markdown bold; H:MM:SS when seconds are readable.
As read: **3:10**
